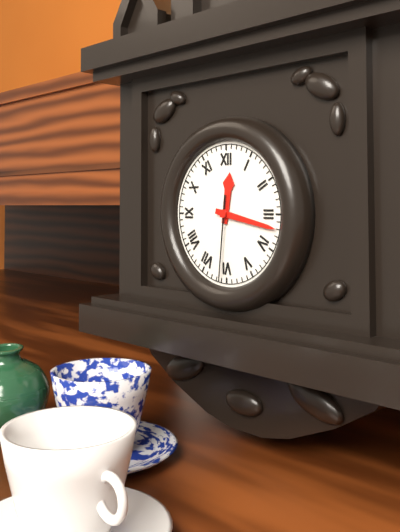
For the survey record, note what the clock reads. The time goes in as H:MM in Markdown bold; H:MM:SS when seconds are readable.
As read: **12:17:31**
